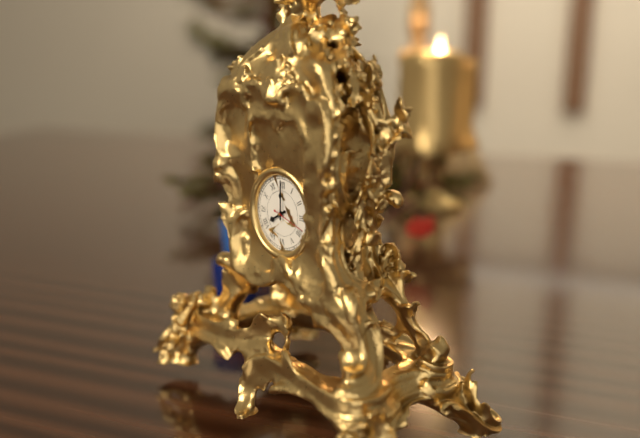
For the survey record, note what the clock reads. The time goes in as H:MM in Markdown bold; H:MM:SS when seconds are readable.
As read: **8:00**
